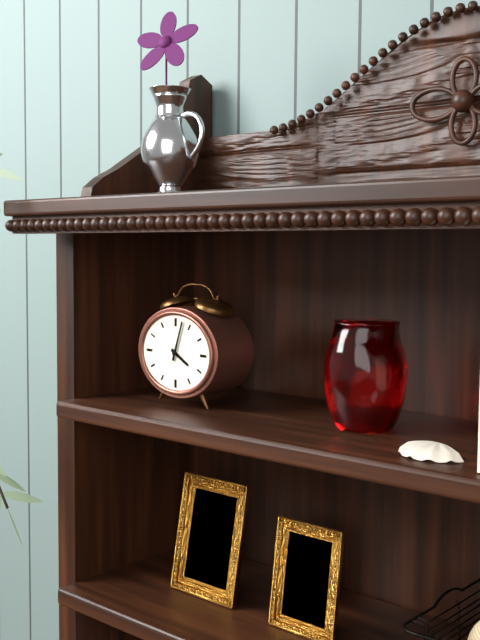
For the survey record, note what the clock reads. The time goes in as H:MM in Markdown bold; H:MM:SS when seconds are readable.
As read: **4:03**
